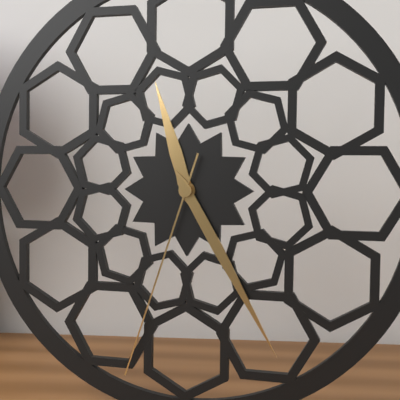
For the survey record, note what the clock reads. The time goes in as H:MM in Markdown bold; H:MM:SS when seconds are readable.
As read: **11:25:33**
